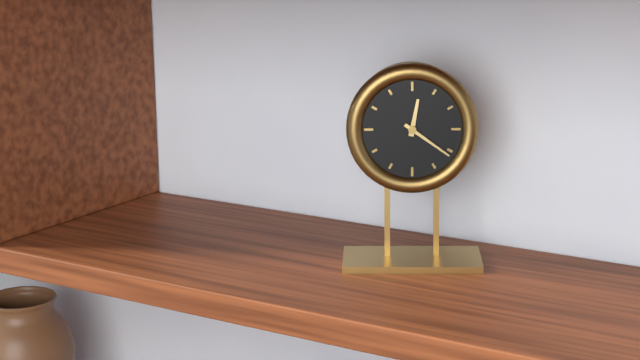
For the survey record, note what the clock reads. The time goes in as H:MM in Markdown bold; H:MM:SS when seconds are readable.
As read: **12:21**
